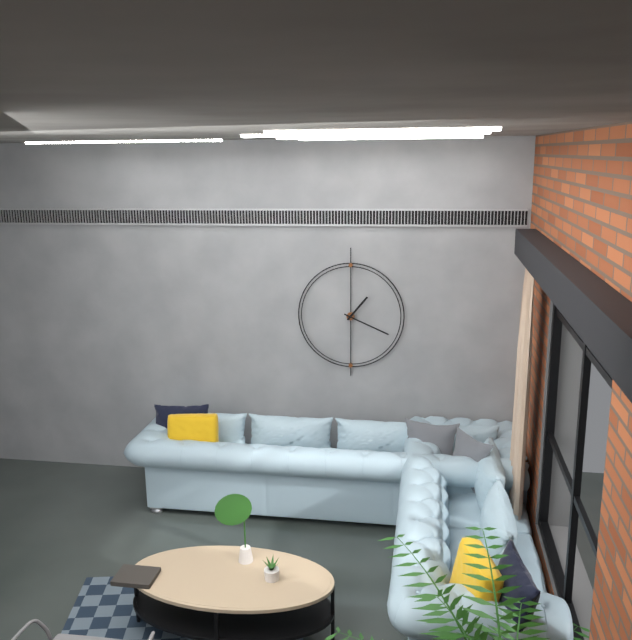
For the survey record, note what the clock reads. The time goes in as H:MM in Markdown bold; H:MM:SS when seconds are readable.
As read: **1:19**
